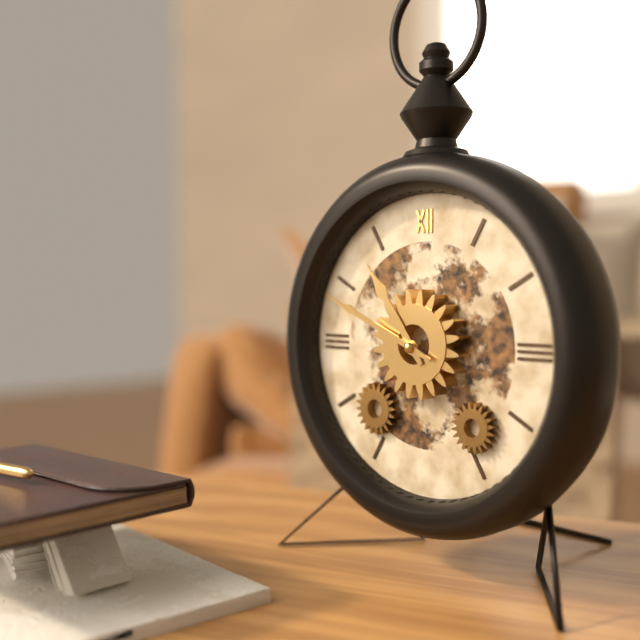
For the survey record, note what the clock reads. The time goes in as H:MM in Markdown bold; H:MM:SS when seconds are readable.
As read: **10:49**
